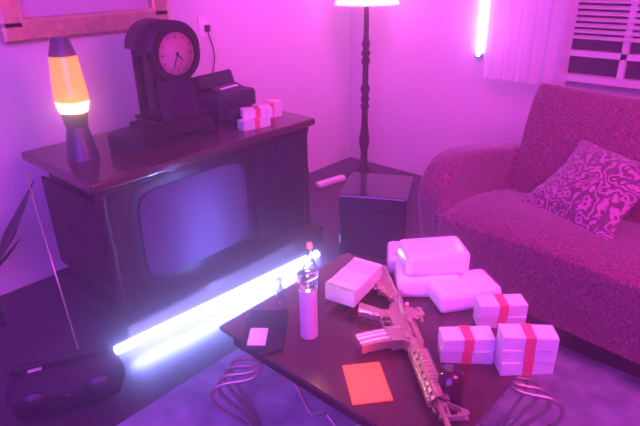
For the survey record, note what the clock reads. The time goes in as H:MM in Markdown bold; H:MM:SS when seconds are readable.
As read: **4:34**
